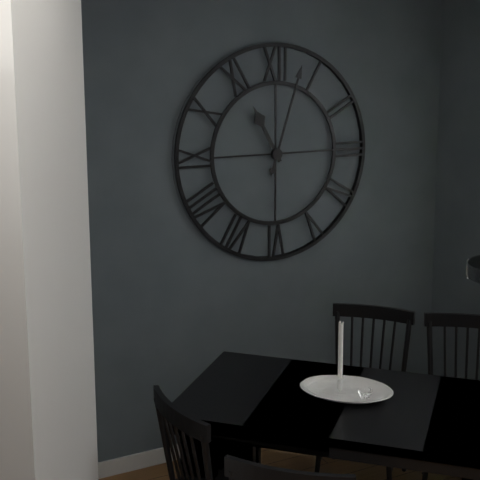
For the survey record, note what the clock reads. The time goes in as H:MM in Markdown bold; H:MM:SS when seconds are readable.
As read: **11:03**
